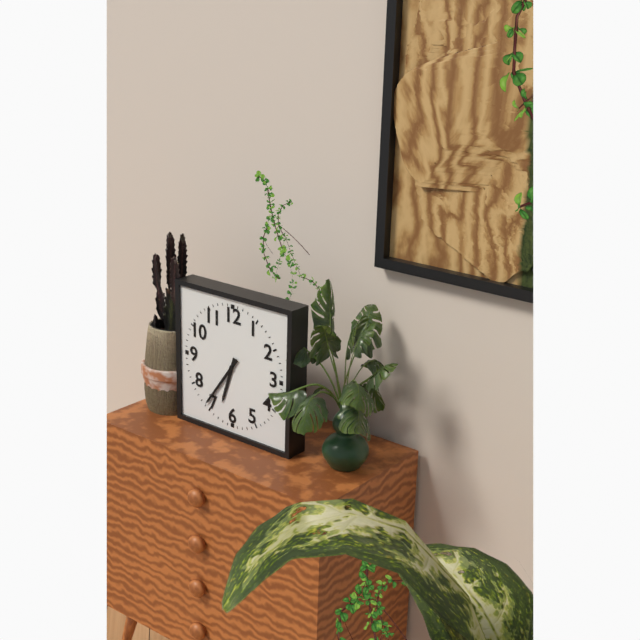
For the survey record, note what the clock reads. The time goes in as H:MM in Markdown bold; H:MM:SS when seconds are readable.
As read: **6:36**
